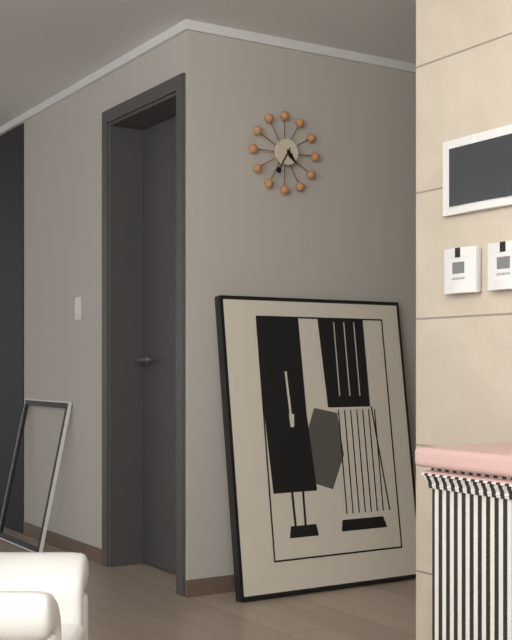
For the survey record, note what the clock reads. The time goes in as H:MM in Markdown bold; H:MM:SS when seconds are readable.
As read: **4:35**
